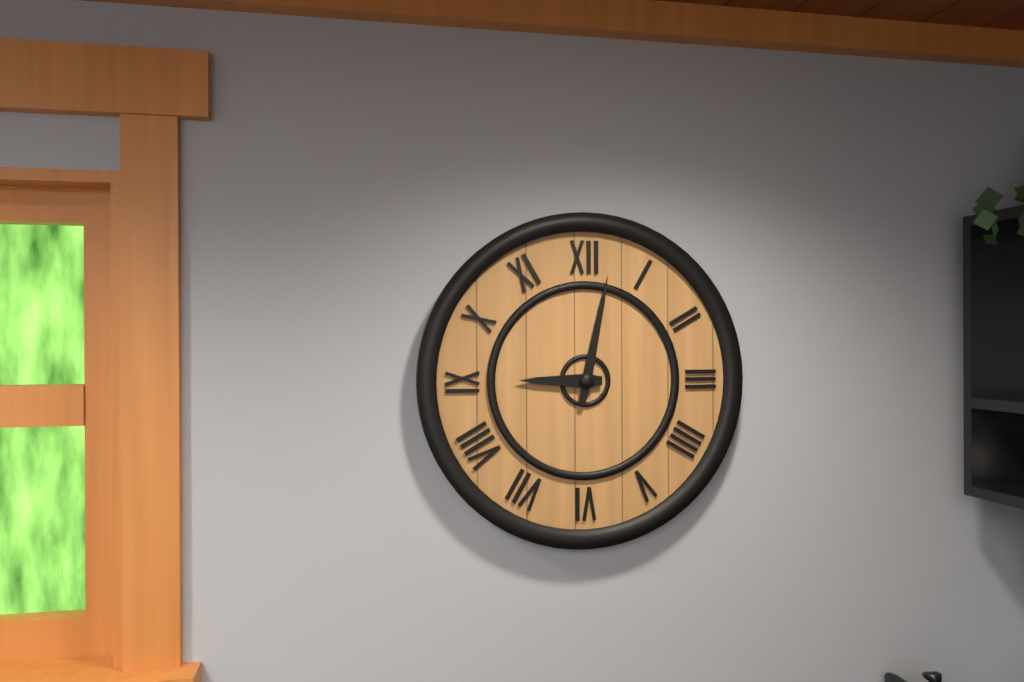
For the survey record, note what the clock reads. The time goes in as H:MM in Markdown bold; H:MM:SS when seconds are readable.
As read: **9:02**
